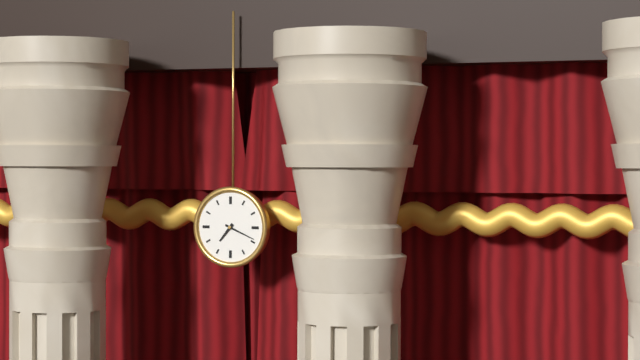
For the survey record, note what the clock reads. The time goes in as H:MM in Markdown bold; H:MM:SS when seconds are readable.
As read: **7:19**
